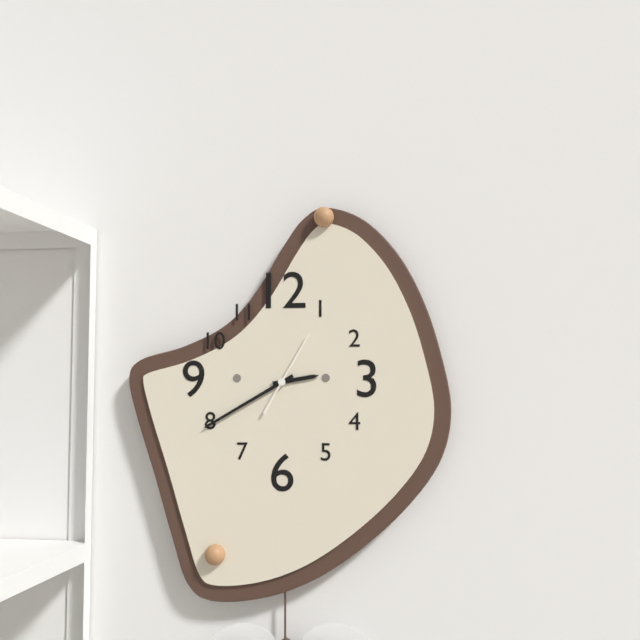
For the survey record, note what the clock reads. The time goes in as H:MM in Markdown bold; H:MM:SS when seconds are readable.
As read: **2:40:05**
